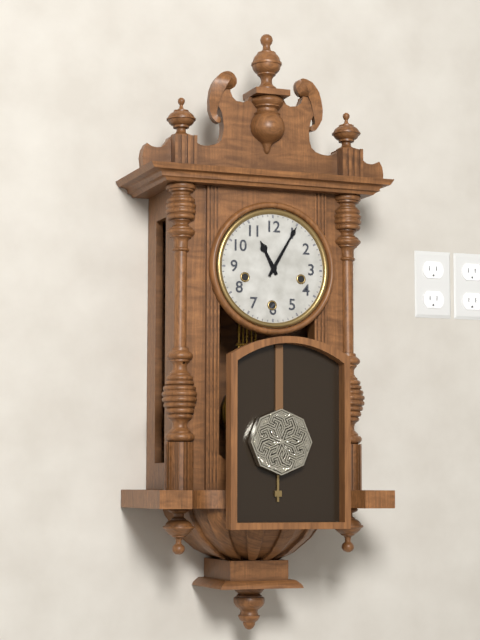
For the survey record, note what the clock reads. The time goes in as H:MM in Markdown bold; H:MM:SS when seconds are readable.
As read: **11:05**
